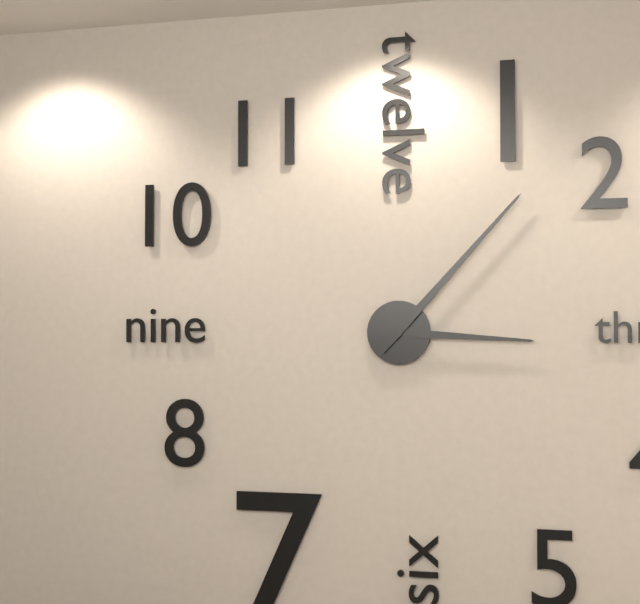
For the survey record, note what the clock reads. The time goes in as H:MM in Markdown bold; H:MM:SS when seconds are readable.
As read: **3:07**
